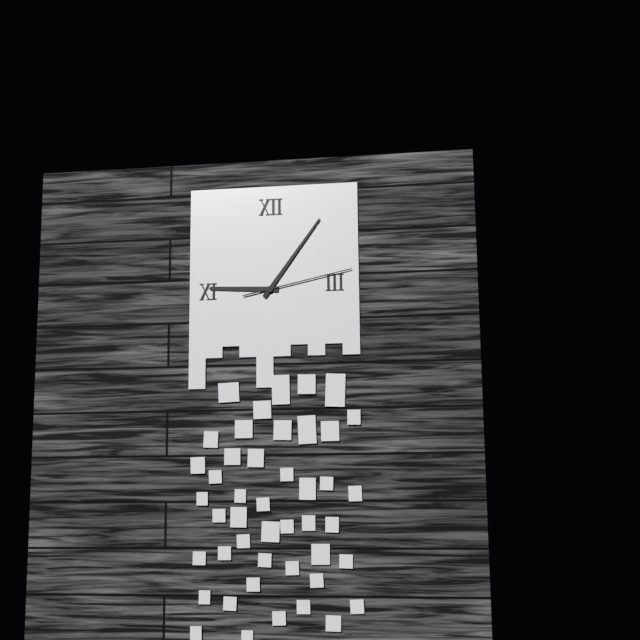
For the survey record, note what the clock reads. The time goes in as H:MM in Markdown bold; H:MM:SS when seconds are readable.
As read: **9:06:13**
